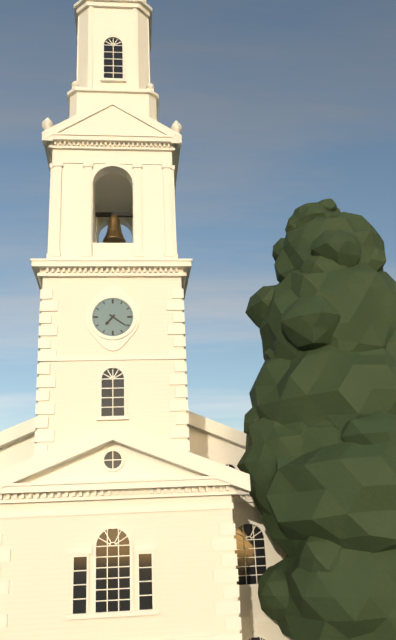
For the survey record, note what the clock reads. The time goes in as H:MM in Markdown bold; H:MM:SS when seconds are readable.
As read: **7:21**
